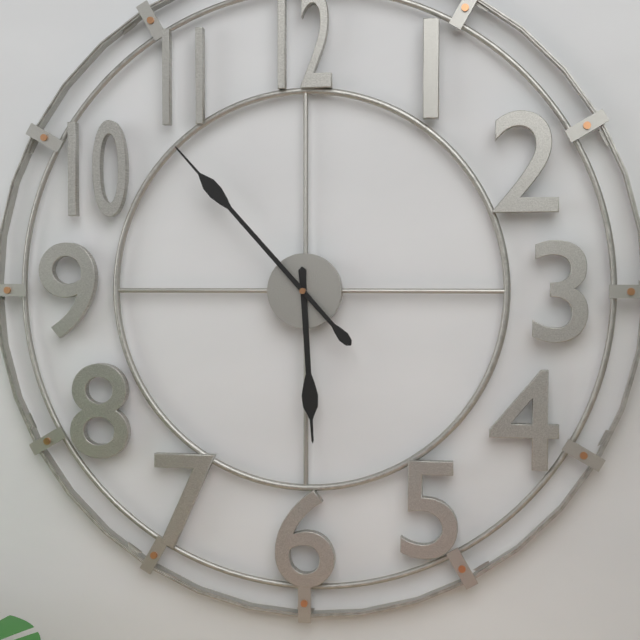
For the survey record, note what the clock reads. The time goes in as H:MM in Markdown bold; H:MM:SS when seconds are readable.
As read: **5:53**
